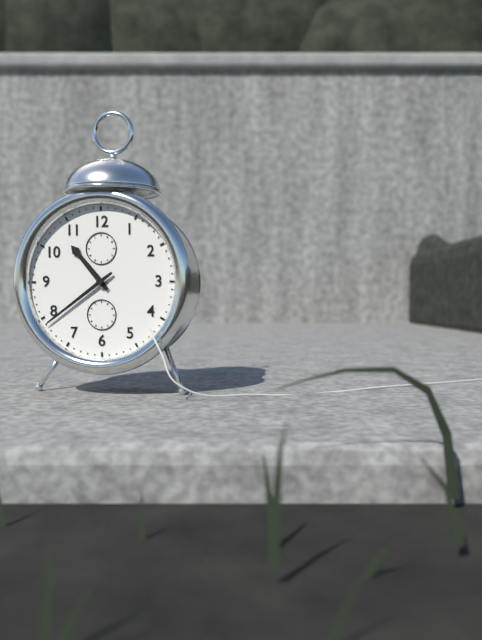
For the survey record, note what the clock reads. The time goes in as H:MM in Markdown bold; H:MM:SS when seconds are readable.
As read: **10:39**
